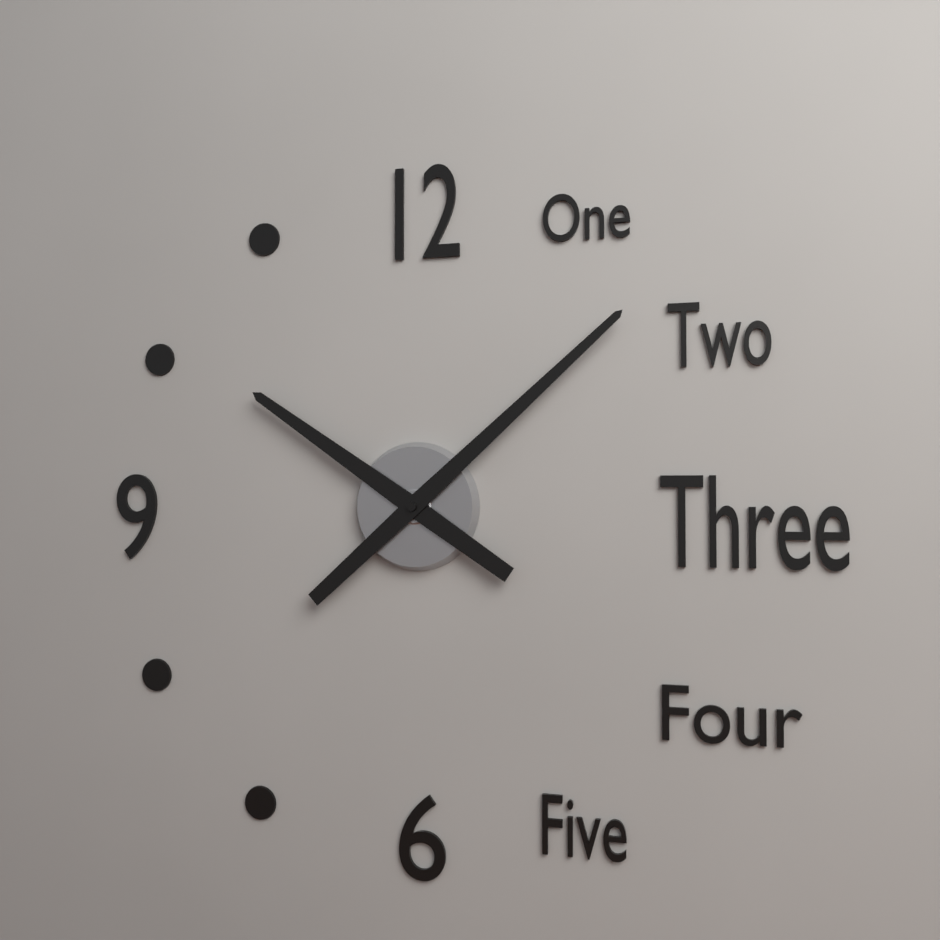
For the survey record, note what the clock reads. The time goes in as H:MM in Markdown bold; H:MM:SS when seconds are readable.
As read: **10:08**
